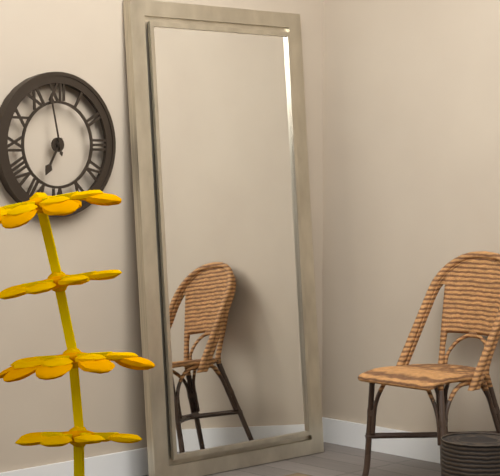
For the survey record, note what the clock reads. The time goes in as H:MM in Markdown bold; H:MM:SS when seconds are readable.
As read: **6:58**
